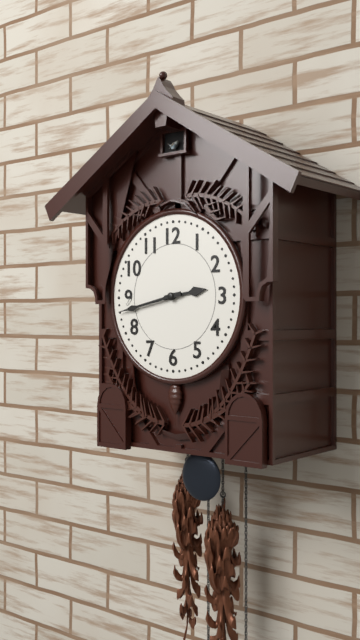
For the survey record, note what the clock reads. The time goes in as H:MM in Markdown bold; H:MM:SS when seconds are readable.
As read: **2:43**
